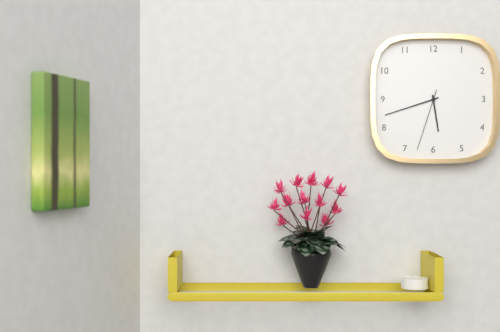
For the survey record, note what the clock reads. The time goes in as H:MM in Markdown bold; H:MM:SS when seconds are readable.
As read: **5:42:33**
